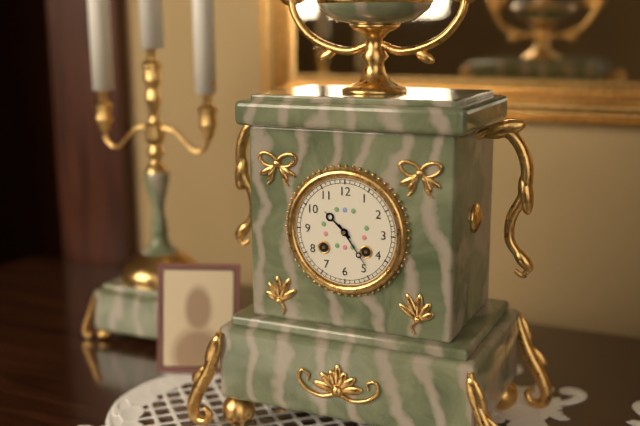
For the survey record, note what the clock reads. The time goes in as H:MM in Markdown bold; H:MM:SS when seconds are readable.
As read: **10:24**
